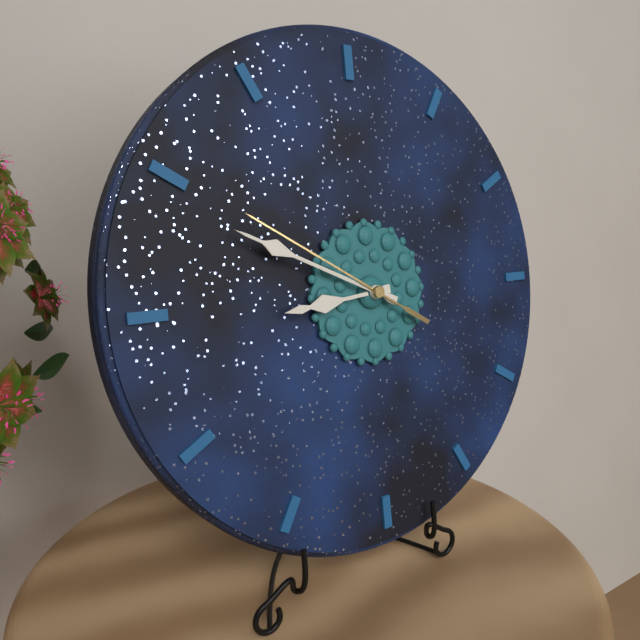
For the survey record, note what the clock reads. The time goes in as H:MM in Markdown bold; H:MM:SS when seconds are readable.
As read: **8:49:50**
